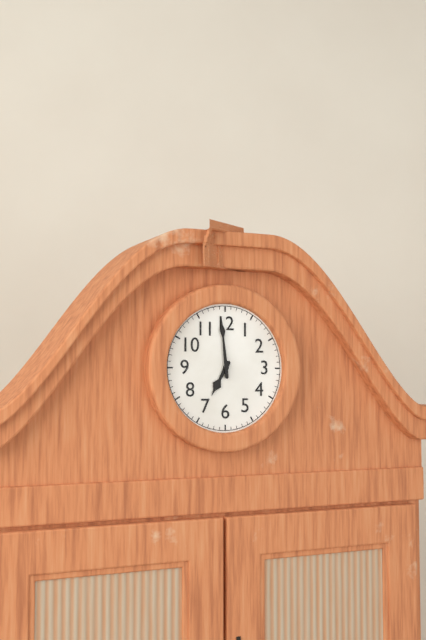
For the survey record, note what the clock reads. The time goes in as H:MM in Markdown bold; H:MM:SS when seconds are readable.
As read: **6:59**
